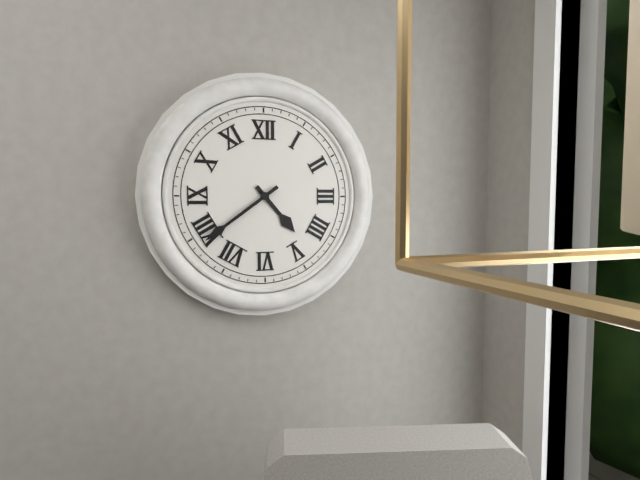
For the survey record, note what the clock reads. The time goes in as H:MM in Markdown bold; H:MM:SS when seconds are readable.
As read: **4:39**
